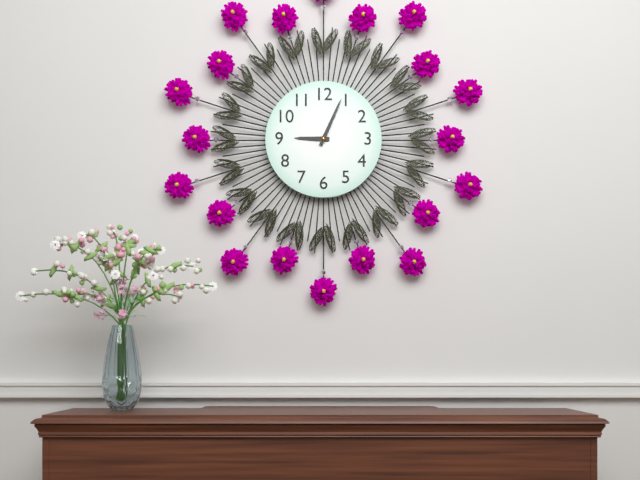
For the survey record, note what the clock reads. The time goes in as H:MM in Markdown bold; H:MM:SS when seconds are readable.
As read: **9:04**
